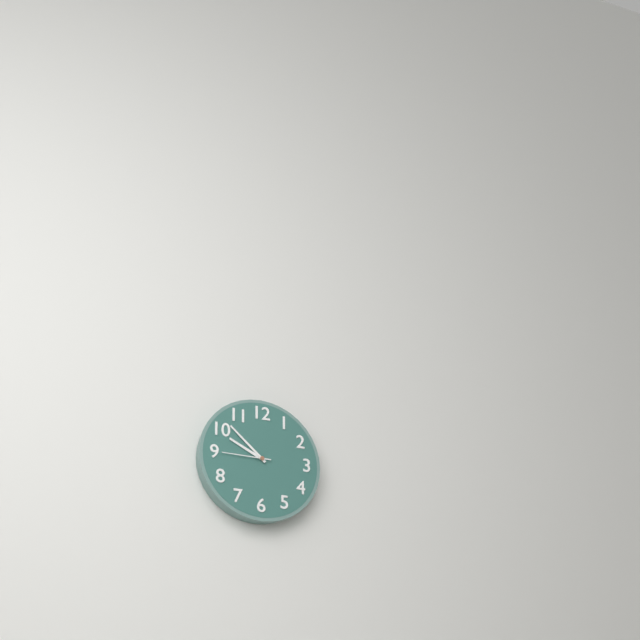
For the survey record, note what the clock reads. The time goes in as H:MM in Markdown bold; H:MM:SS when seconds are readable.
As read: **9:52:45**
